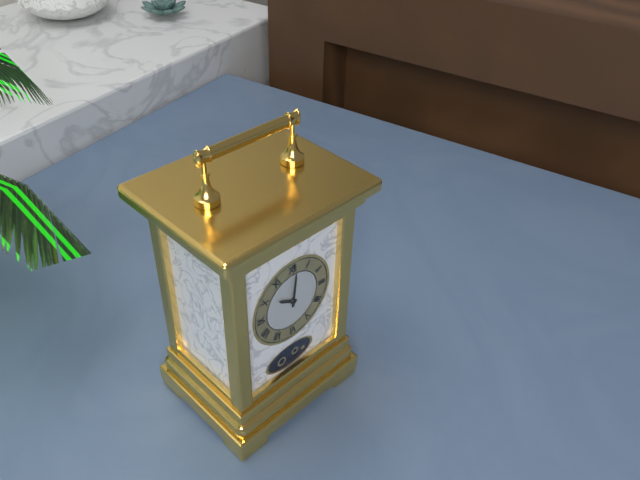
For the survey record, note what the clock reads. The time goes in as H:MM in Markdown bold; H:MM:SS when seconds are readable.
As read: **10:01**
